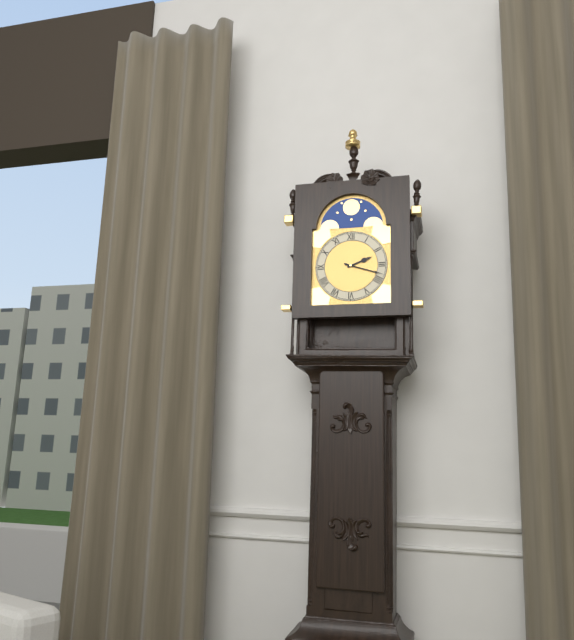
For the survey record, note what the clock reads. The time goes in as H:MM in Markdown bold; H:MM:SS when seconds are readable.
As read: **2:18**
